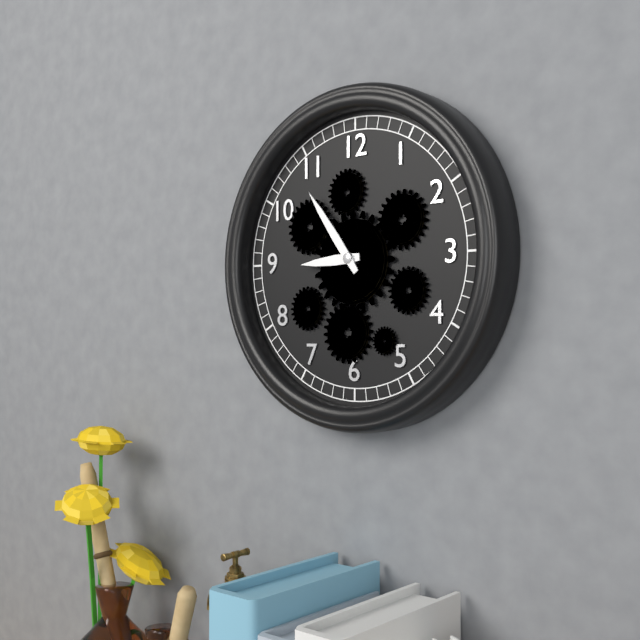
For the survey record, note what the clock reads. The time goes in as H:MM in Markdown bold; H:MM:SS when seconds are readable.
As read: **8:54**
